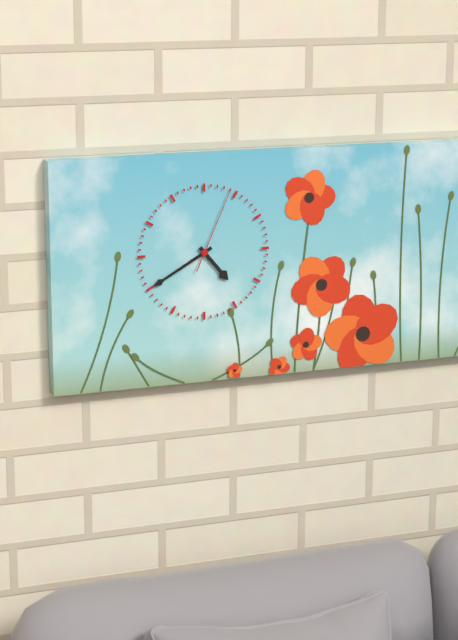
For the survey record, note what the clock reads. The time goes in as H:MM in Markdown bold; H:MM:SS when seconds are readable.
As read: **4:40:04**
